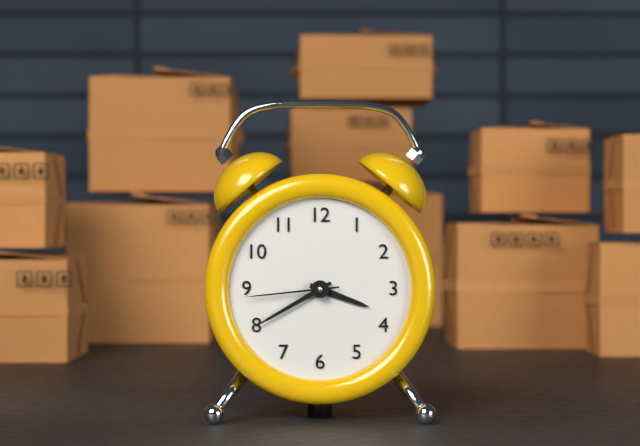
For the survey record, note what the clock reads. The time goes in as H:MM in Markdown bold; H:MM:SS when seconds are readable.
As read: **3:40:44**
